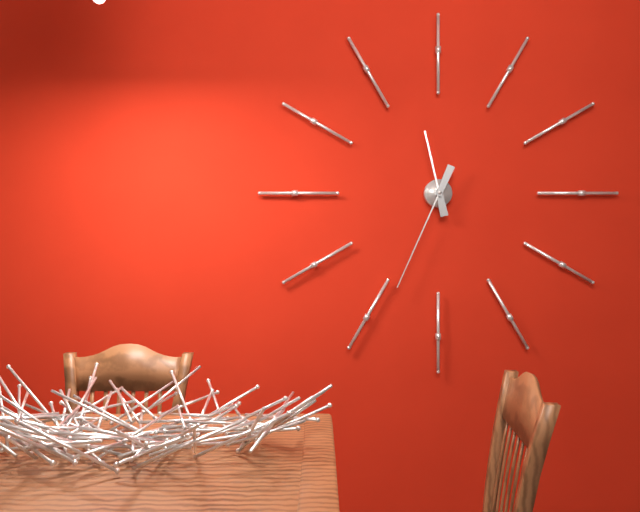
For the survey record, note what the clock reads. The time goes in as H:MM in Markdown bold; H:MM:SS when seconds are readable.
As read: **11:34**
